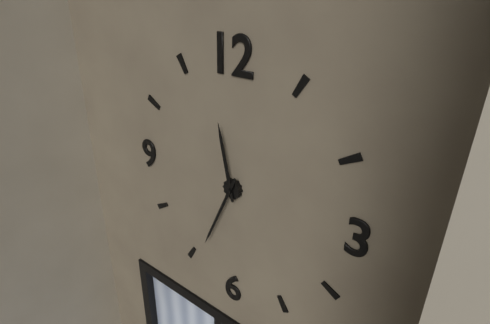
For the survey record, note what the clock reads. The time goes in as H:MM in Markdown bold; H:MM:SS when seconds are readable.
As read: **11:34**
